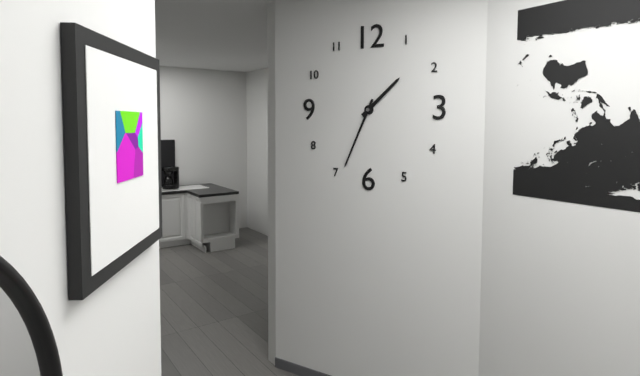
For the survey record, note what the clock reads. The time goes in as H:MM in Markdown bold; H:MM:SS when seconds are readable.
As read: **1:34**
